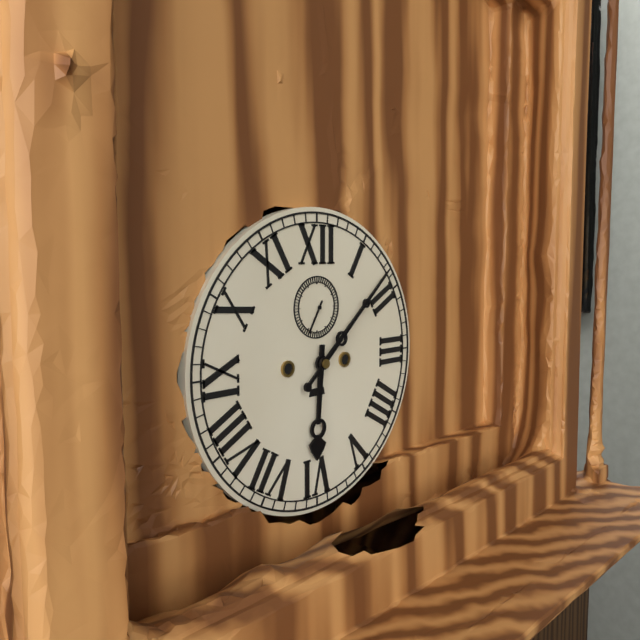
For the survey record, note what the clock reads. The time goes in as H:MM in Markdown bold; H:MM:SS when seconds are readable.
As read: **6:08**
